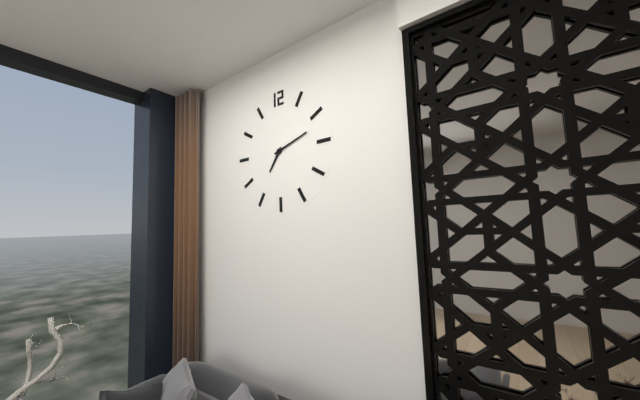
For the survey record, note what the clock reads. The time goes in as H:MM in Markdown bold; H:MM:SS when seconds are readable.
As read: **7:12**
